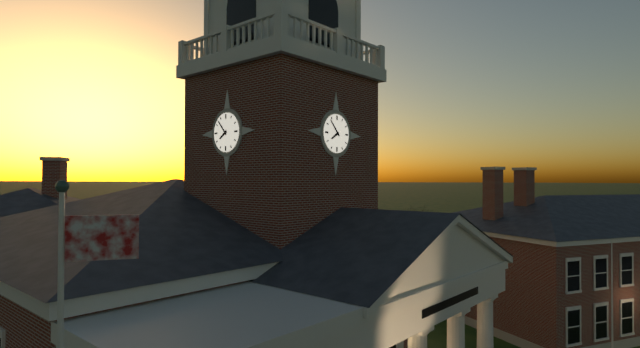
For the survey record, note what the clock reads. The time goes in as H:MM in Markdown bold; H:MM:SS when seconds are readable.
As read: **7:53**
